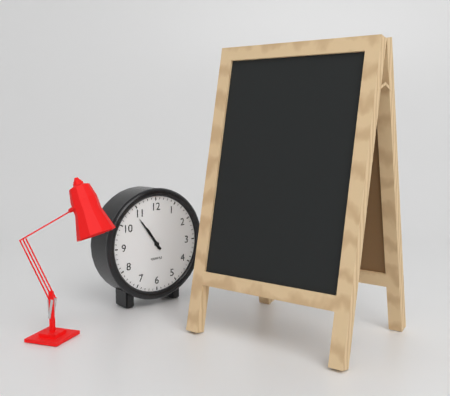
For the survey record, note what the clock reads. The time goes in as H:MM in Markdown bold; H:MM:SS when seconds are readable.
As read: **10:54**
